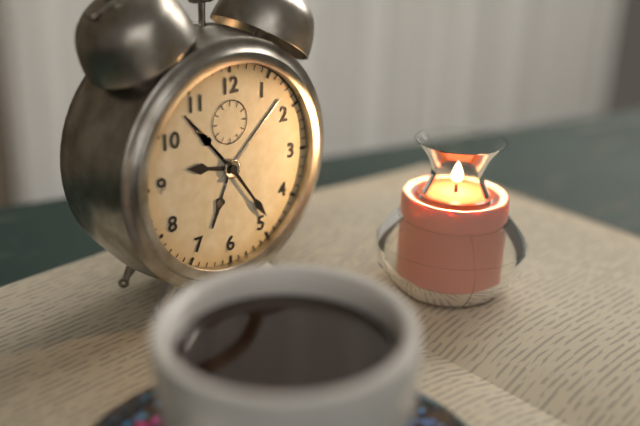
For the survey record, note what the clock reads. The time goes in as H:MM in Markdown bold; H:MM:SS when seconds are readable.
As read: **9:24**
